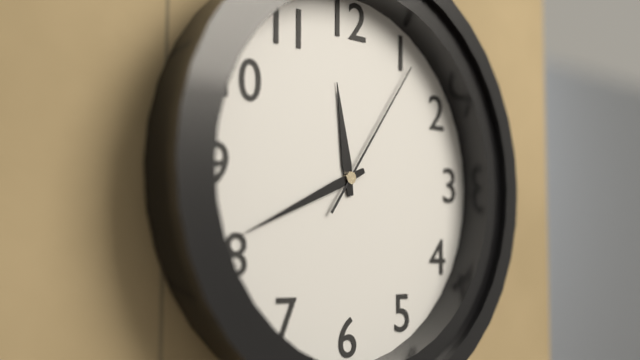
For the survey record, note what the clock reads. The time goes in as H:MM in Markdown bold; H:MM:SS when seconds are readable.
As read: **11:41:06**
